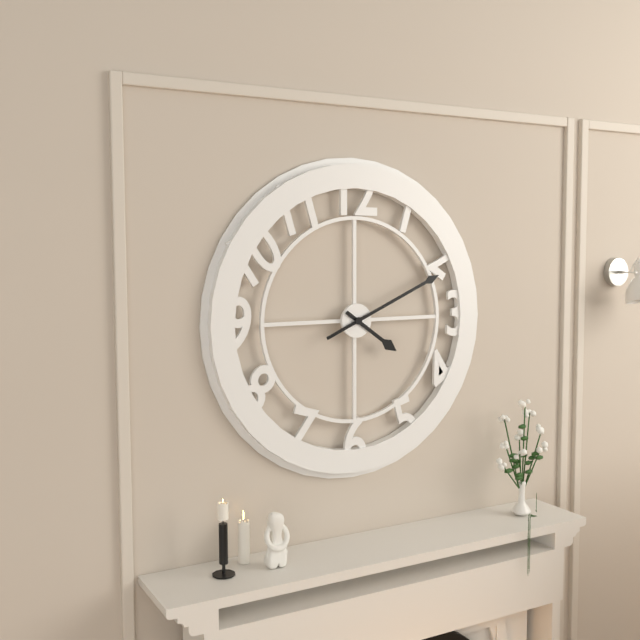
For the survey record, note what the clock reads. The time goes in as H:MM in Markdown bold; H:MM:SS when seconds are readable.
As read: **4:11**
